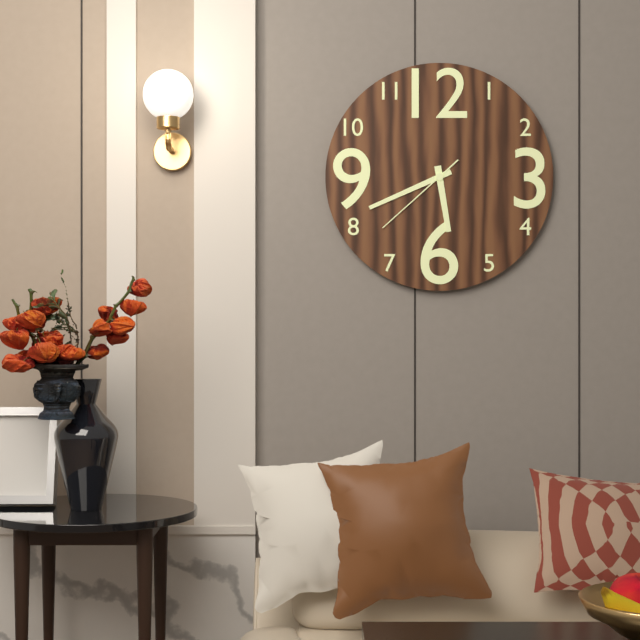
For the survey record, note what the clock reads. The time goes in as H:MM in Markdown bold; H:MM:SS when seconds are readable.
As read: **5:41:38**
